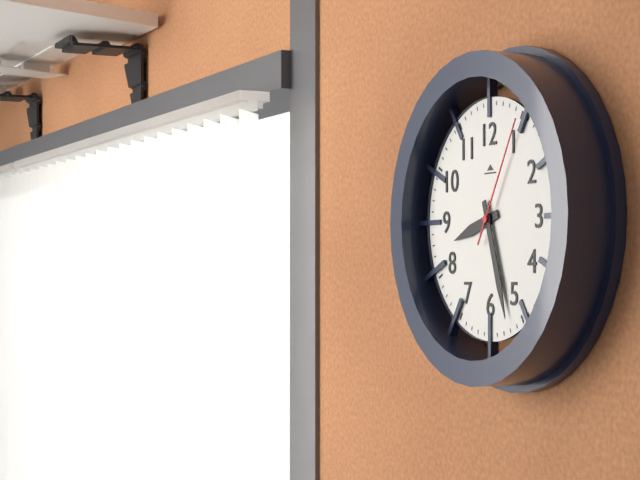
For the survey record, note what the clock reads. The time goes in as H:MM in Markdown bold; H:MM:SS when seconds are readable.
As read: **8:27:05**
